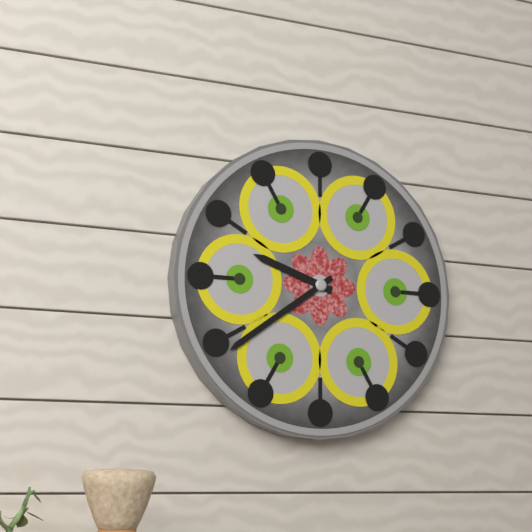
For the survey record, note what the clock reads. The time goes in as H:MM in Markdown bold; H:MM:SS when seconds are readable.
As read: **9:39**
